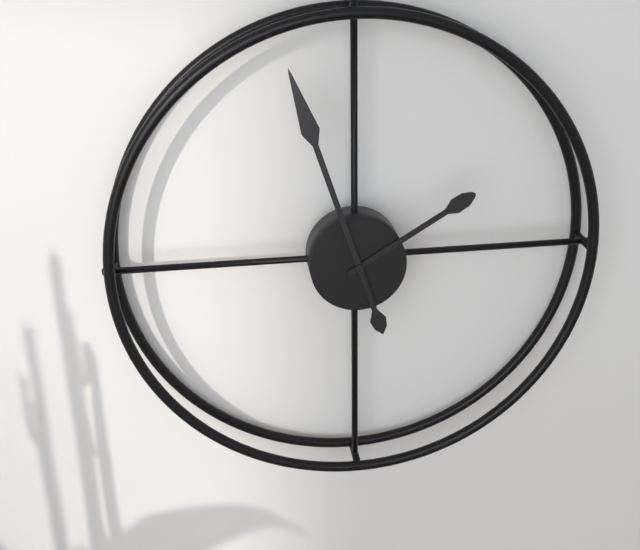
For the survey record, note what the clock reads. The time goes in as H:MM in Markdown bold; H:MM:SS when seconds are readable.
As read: **1:57**
